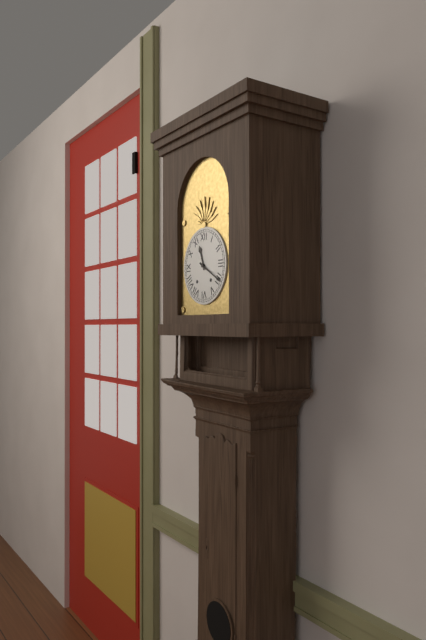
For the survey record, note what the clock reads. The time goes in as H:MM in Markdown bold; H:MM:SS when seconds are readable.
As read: **11:20**
